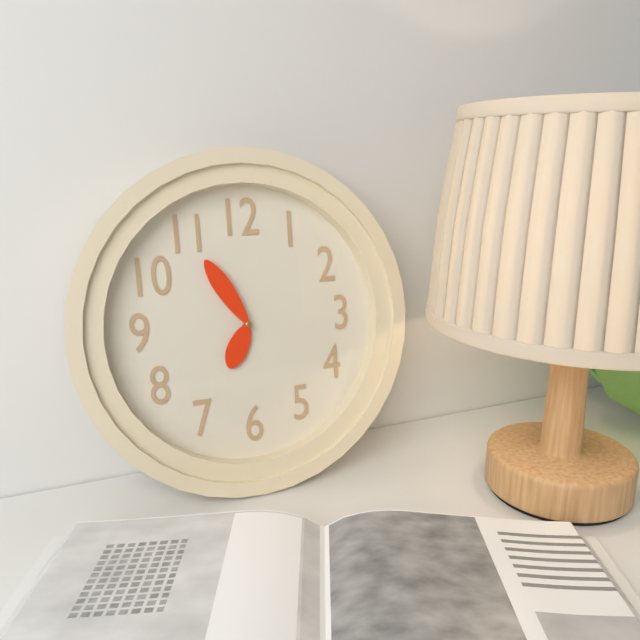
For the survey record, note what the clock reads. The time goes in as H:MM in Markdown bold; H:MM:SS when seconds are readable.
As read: **6:55**
